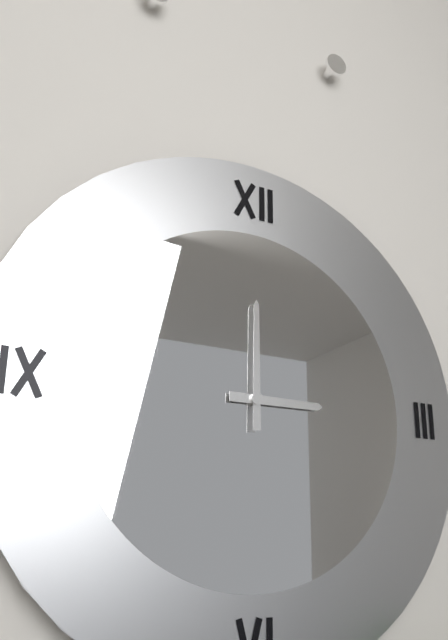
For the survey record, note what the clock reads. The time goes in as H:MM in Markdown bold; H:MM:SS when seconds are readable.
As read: **3:00**
